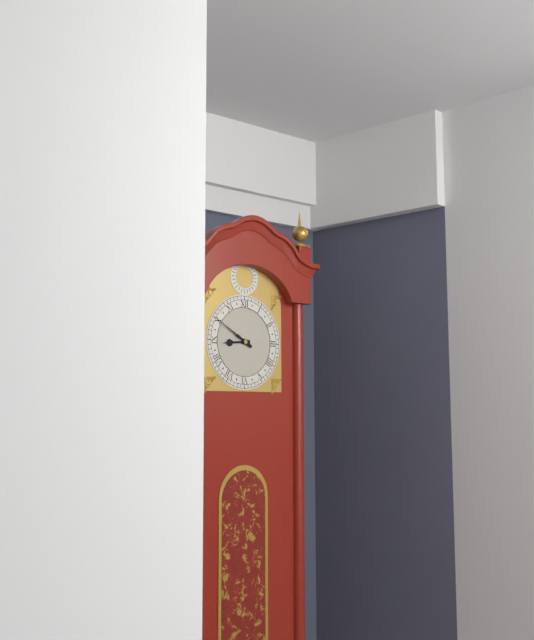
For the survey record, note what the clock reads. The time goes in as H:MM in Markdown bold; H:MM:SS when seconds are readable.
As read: **8:50**
